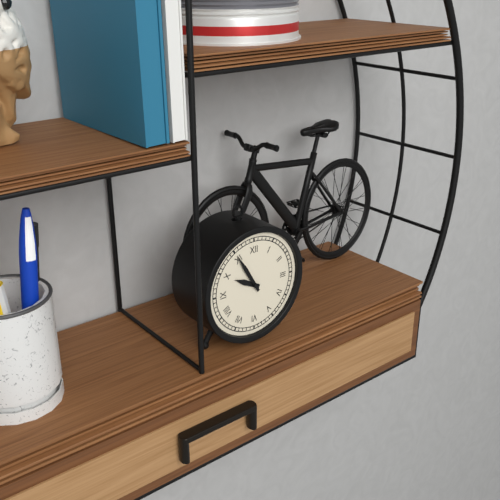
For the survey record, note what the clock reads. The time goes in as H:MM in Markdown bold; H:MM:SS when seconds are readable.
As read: **9:55**
